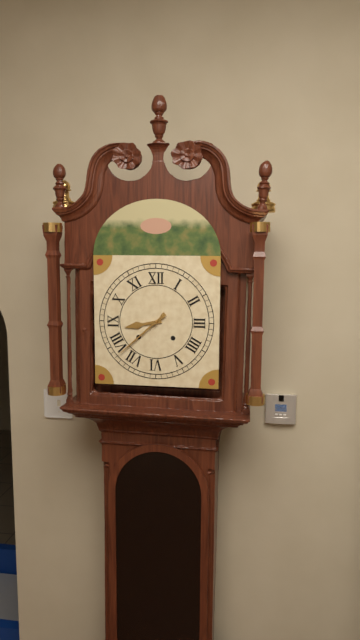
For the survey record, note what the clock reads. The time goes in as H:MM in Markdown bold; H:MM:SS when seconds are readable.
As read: **8:38**
